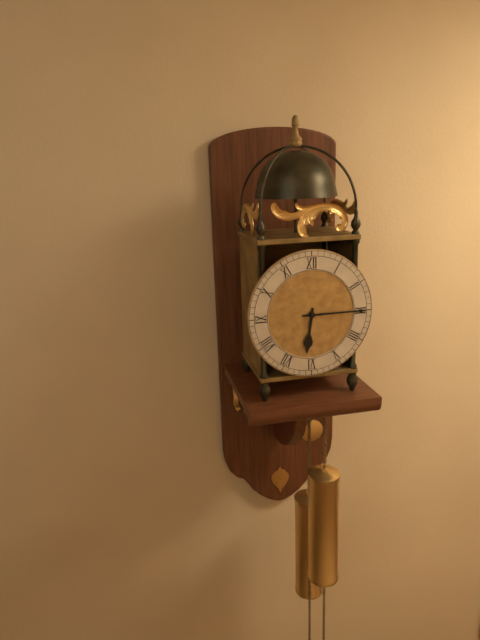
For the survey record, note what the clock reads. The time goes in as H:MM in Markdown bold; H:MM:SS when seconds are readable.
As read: **6:15**
